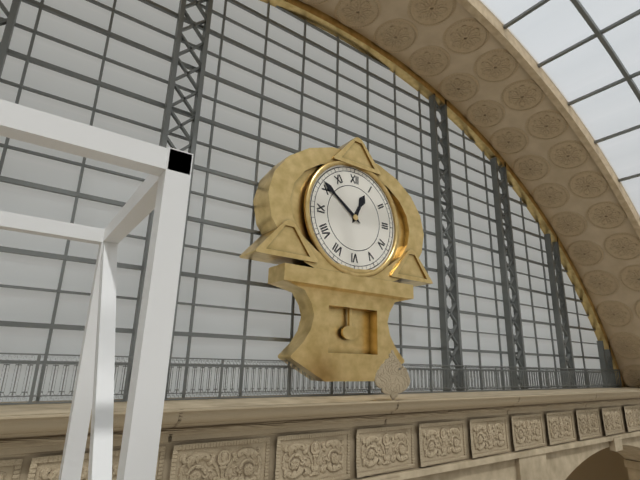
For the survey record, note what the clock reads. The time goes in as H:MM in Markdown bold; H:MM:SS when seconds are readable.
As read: **12:51**
